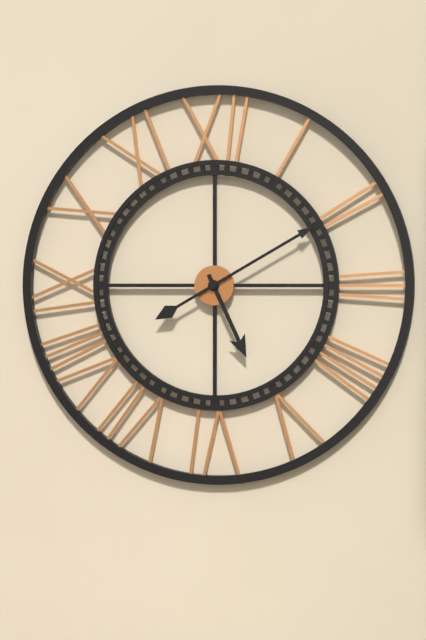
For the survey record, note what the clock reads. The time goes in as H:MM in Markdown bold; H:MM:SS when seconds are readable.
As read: **5:10**
